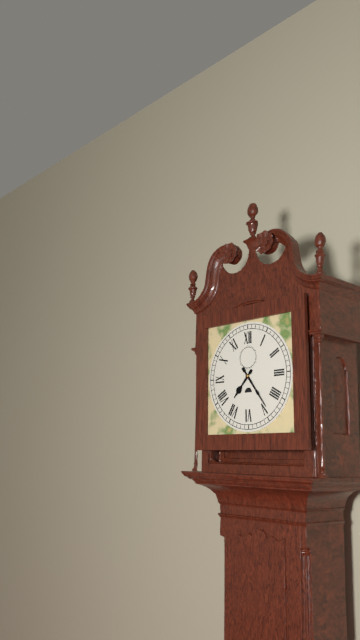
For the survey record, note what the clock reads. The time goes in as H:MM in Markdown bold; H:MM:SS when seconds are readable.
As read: **7:24**
